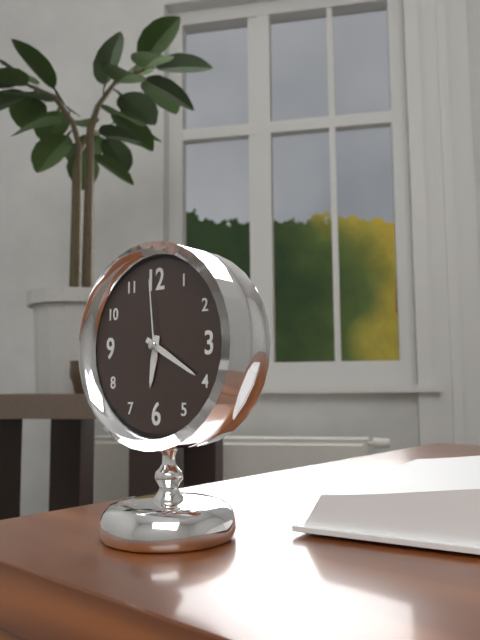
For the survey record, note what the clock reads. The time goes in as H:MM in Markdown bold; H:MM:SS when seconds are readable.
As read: **6:20:59**
